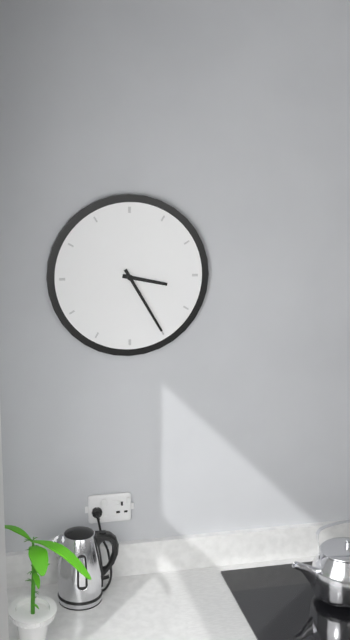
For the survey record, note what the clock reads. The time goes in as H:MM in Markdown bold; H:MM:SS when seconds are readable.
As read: **3:25**
